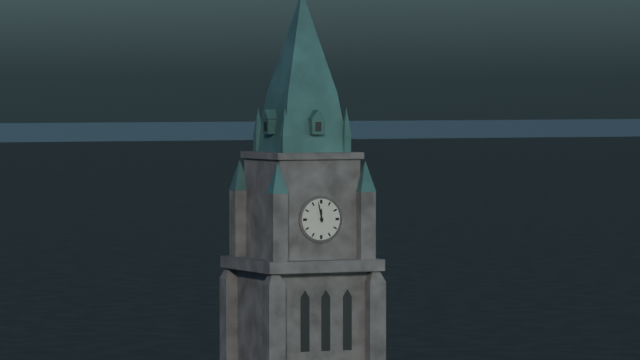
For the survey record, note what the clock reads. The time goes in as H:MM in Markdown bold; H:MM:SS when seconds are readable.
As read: **11:58**
